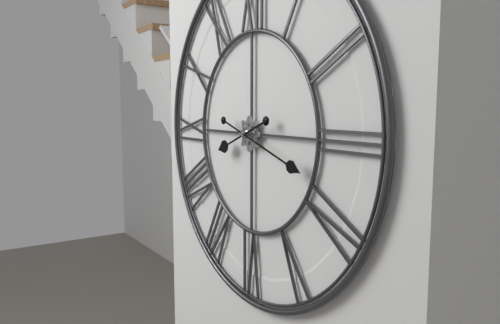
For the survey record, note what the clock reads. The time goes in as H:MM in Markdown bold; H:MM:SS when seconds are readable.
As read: **8:18**
